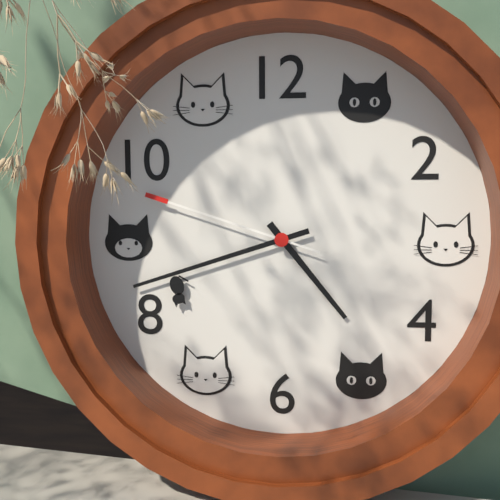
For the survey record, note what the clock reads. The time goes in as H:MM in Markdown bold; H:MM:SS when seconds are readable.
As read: **4:42:48**
